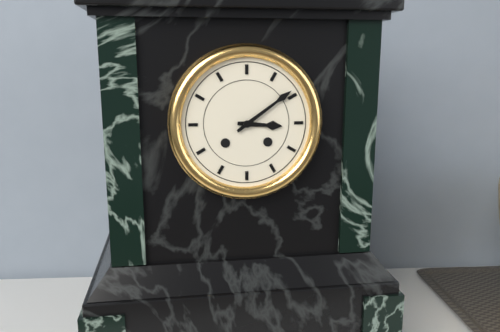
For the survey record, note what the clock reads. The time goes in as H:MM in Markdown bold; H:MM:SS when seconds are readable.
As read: **3:09**
